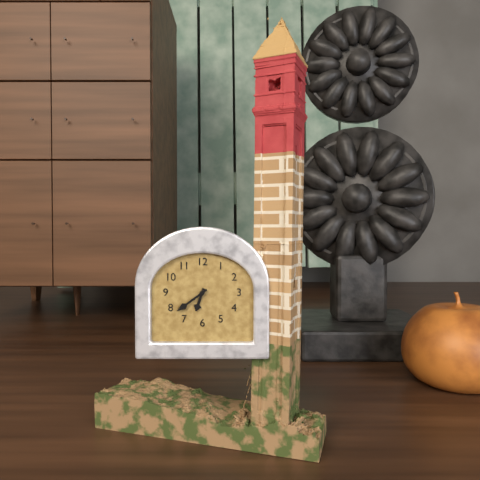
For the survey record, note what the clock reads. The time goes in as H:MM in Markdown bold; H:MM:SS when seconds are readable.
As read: **6:39**
